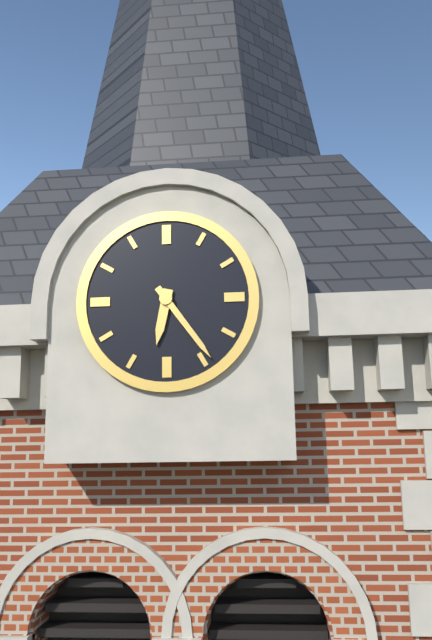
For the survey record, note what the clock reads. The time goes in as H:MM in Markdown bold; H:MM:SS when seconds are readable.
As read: **6:24**
